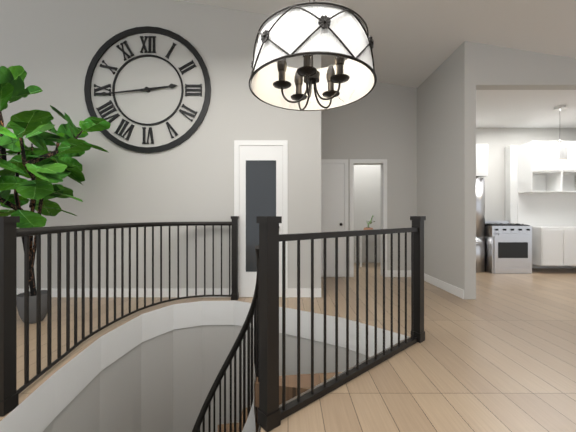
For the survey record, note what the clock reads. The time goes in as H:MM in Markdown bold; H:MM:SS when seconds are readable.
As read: **2:44**
